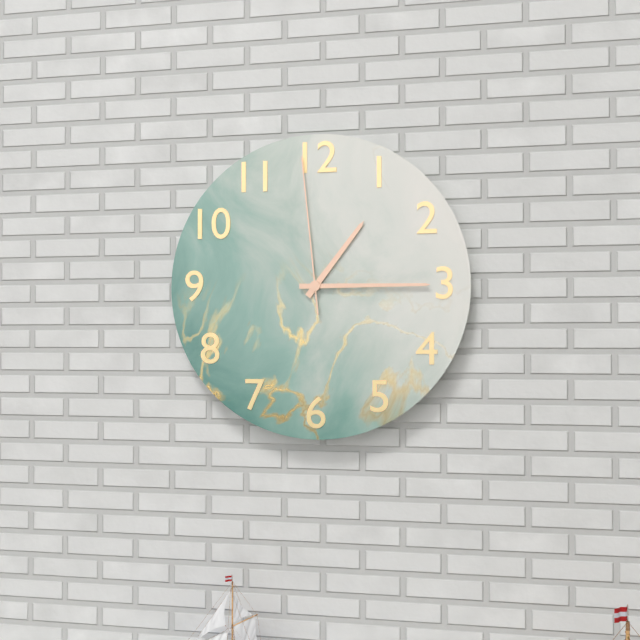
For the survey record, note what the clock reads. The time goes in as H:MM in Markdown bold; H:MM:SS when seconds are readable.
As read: **1:15:59**
